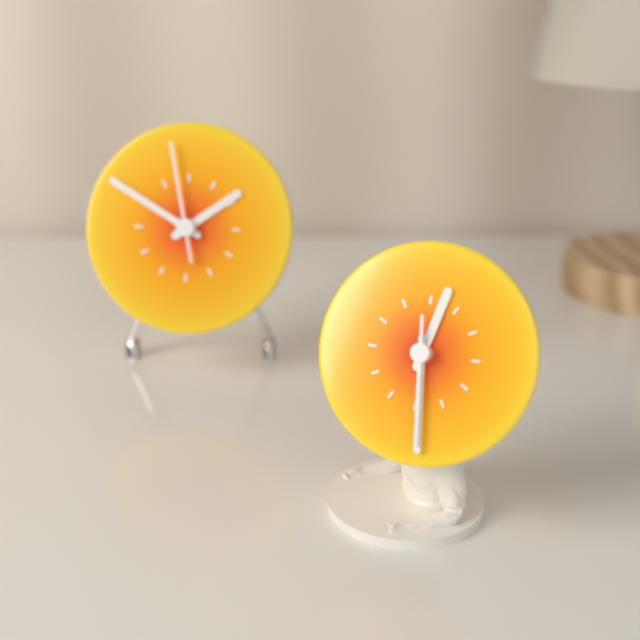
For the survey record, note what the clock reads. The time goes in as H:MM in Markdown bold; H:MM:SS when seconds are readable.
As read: **12:29:29**
